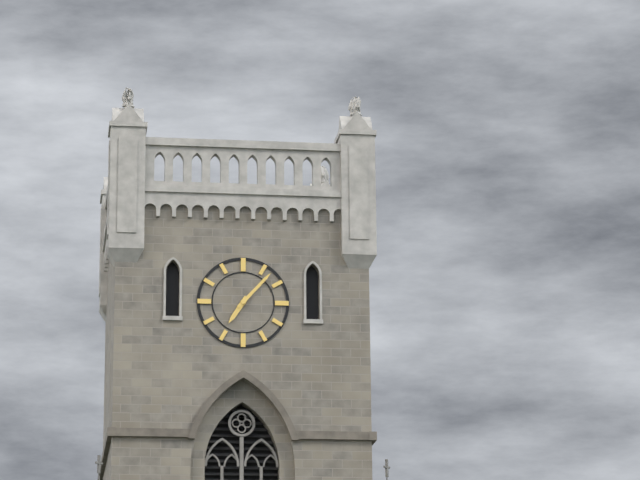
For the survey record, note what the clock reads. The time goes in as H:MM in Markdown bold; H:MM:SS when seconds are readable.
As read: **7:07**
